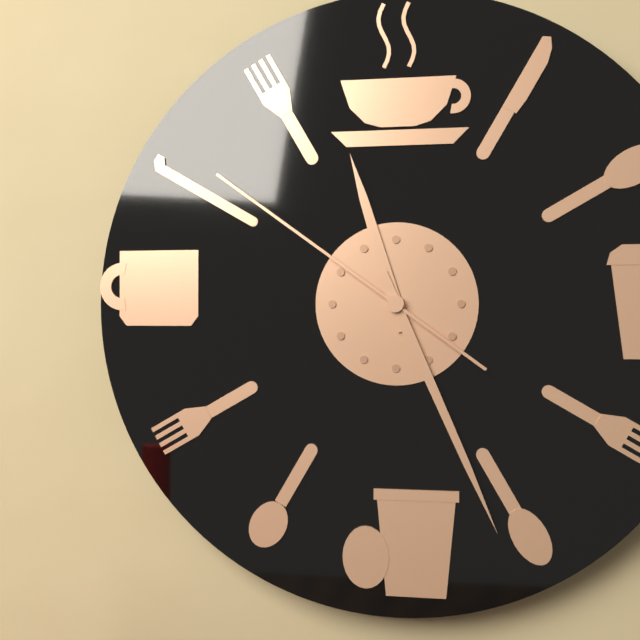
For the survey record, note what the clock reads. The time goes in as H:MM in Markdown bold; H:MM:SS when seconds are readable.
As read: **11:26:51**
